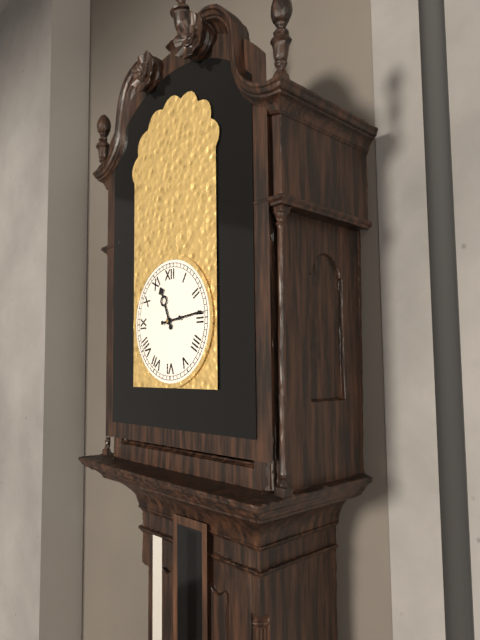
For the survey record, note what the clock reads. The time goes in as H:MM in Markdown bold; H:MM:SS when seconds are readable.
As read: **11:14**
